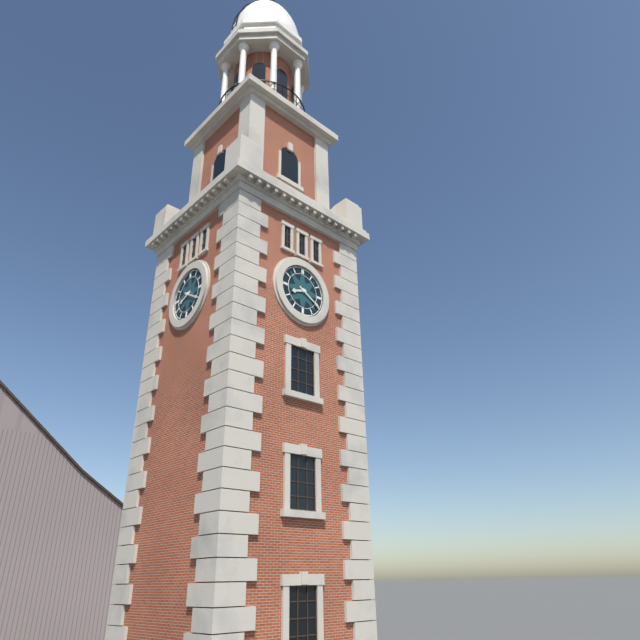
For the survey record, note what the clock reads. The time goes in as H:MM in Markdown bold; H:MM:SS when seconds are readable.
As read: **8:20**
